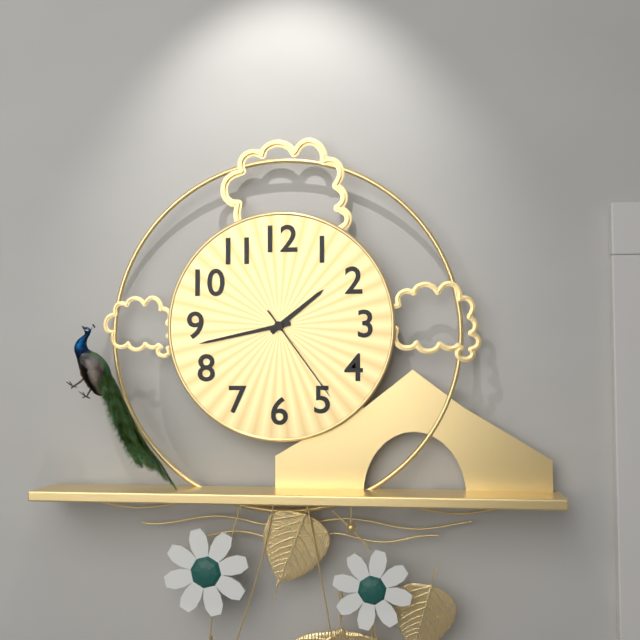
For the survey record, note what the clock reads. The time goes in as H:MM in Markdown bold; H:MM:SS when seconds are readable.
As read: **1:43:24**
